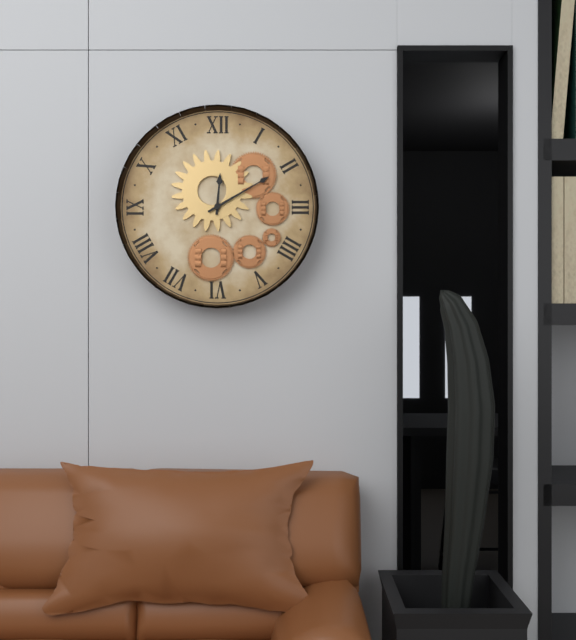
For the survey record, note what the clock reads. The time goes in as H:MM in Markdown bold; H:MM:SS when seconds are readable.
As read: **12:10**
